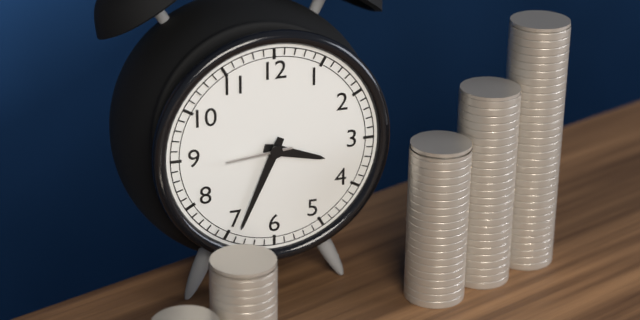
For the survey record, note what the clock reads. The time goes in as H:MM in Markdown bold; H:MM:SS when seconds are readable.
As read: **3:34:44**
